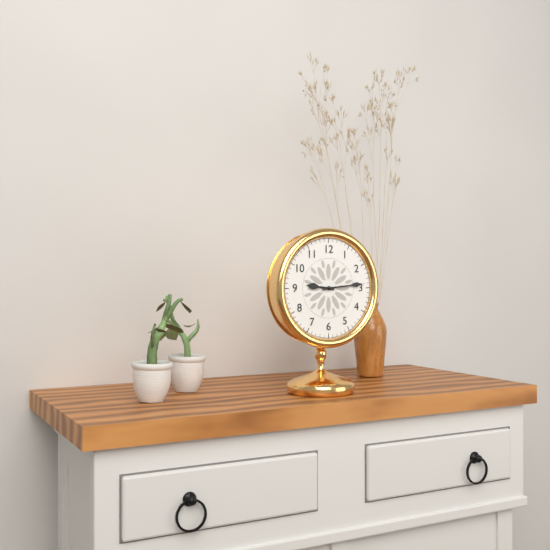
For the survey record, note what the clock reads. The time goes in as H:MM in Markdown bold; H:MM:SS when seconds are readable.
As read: **9:14**
